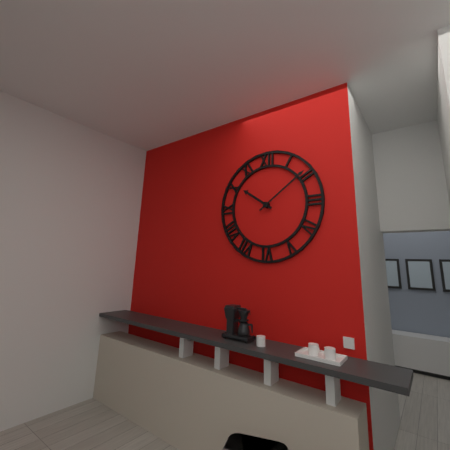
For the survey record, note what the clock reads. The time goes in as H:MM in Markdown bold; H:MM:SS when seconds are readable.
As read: **10:09**
